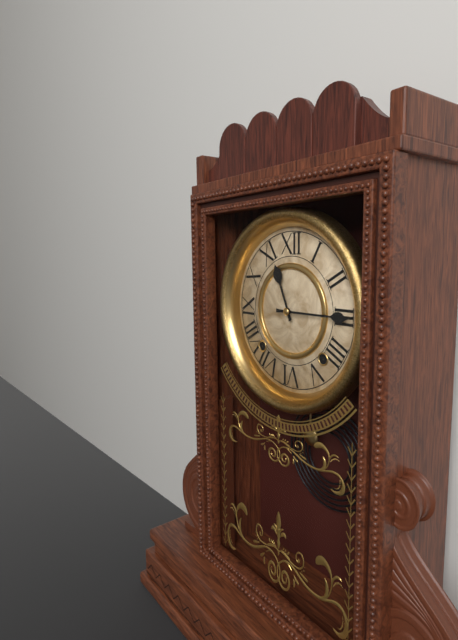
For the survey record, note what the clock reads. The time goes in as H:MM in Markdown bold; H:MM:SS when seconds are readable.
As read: **11:15**
